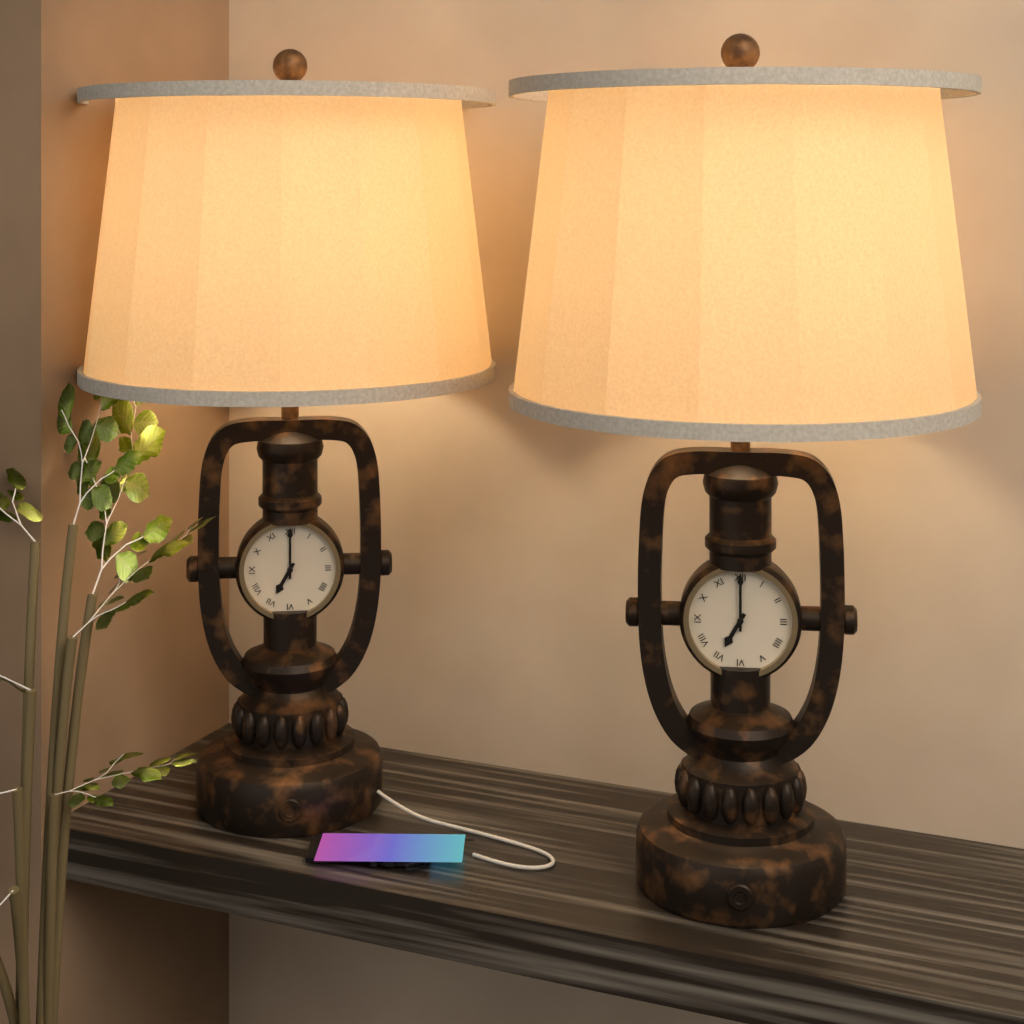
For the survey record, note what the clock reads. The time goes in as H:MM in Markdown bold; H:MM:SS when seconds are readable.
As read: **7:00**
